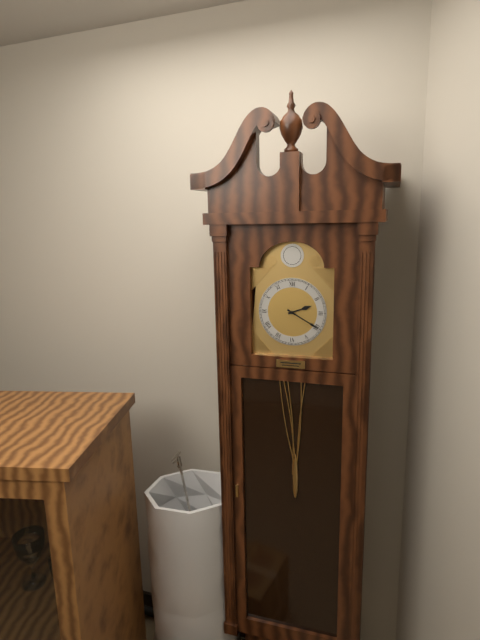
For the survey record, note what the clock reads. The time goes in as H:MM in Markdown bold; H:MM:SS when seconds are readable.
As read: **2:20**
